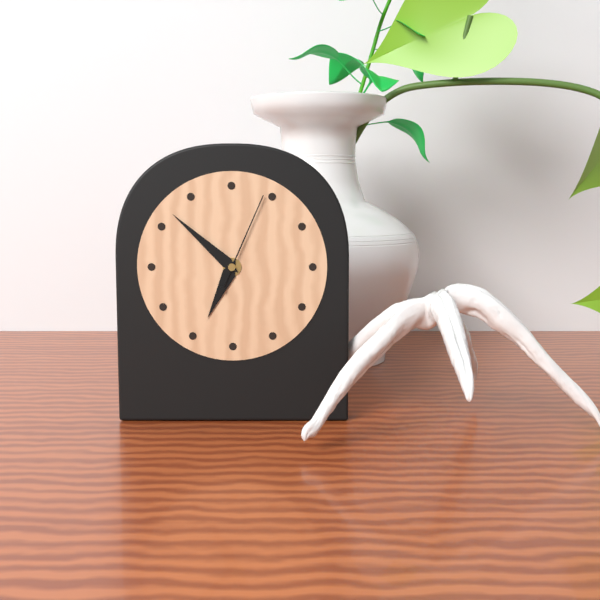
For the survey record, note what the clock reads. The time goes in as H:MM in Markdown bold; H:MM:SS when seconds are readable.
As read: **6:52:04**
